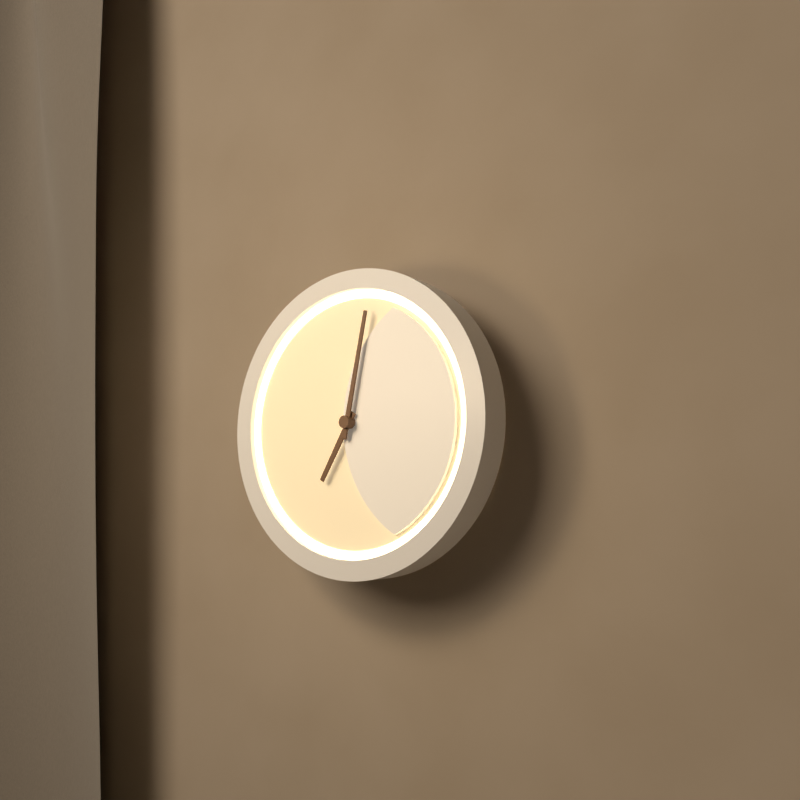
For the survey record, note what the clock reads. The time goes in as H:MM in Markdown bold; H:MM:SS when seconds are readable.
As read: **7:02**
